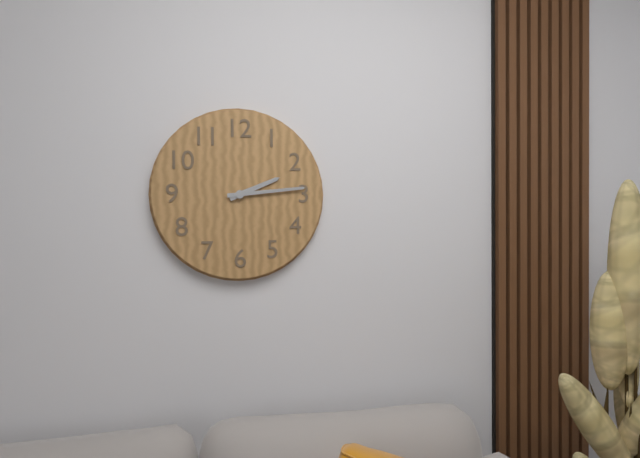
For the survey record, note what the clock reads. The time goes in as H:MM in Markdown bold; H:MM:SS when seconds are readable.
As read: **2:14**
